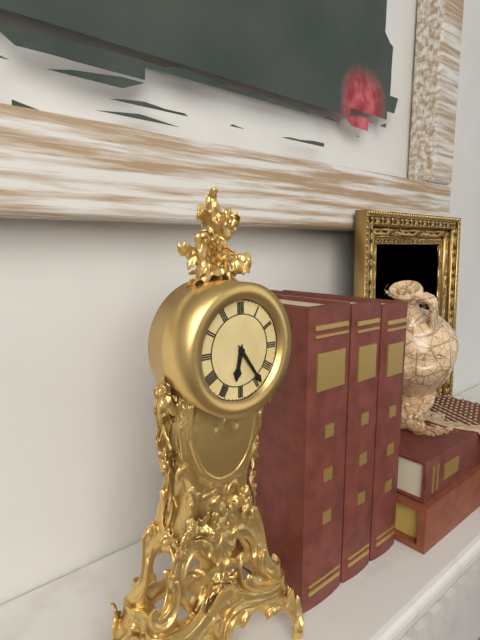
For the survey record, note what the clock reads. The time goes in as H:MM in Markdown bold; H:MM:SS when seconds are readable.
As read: **6:24**
